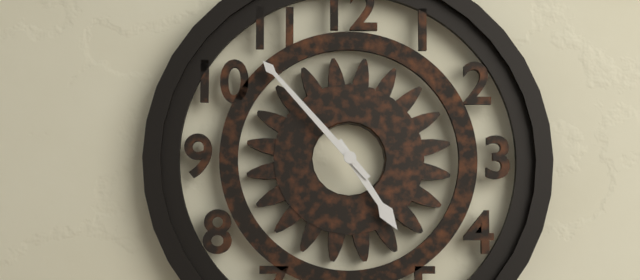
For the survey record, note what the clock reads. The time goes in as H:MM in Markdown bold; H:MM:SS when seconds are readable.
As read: **4:53**
